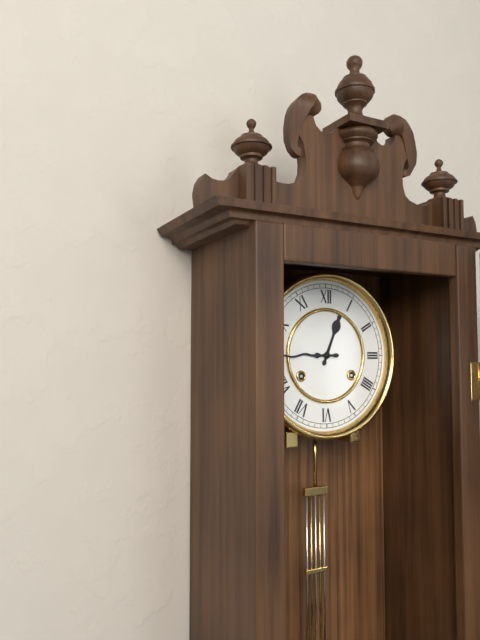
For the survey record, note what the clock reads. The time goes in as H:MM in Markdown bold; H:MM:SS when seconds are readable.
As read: **12:45**
